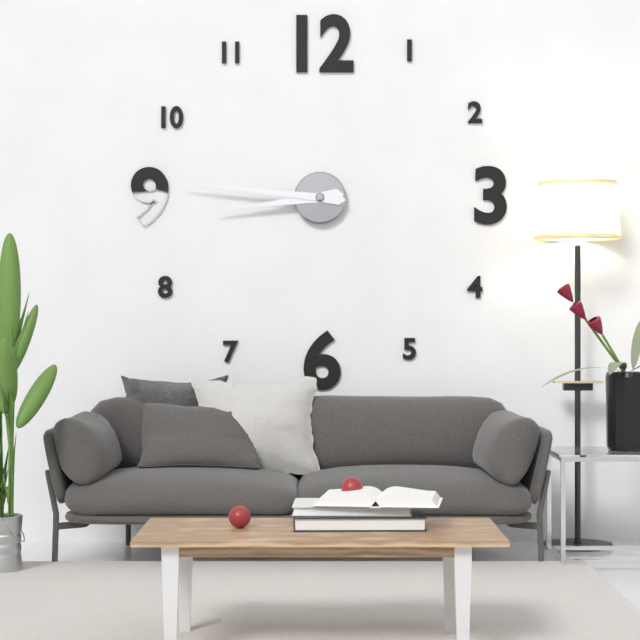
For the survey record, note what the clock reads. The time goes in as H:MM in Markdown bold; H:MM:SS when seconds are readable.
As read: **8:46**
